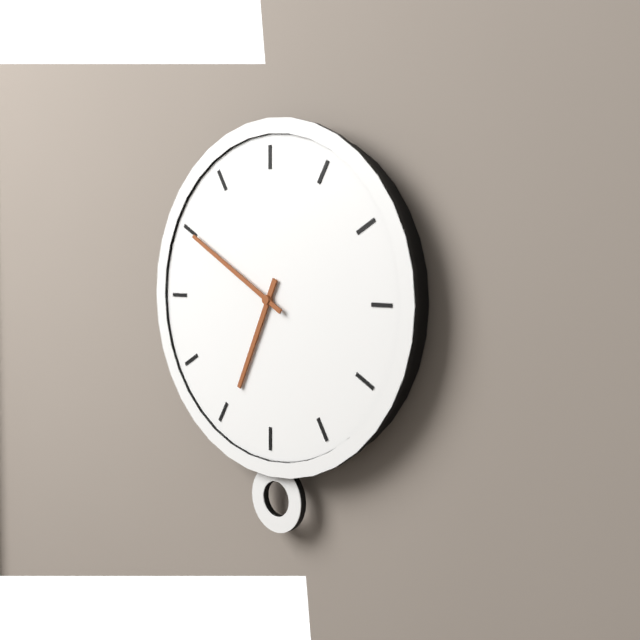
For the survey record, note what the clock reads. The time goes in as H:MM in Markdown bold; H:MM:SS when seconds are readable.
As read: **6:50**
